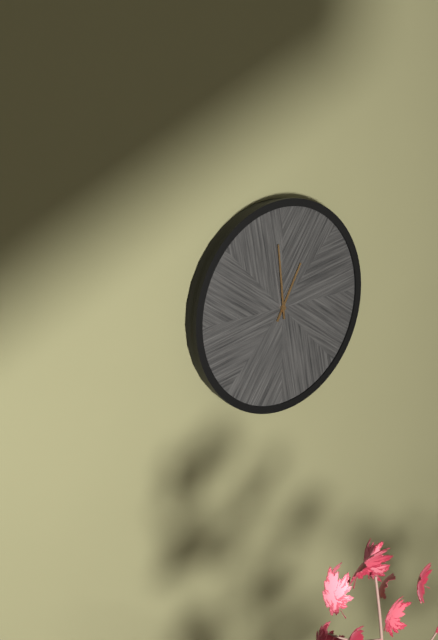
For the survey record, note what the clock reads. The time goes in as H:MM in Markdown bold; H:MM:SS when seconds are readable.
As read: **12:59**
